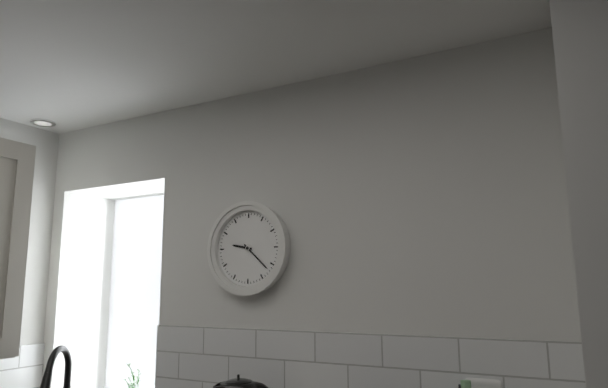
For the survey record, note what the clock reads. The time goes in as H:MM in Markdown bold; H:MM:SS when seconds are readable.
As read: **9:22**
